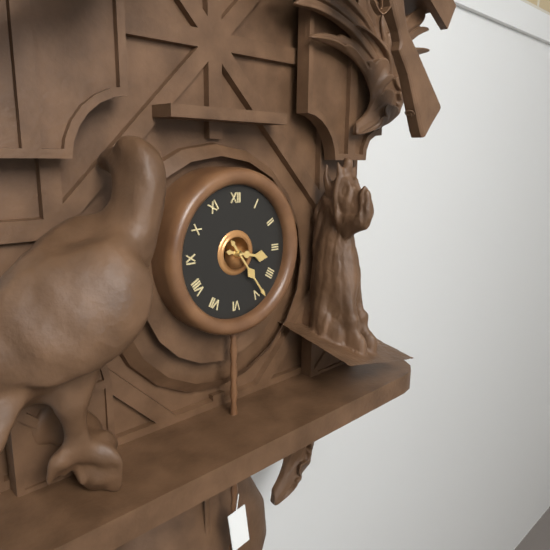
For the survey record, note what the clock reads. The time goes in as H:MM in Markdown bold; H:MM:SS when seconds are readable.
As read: **3:24**
